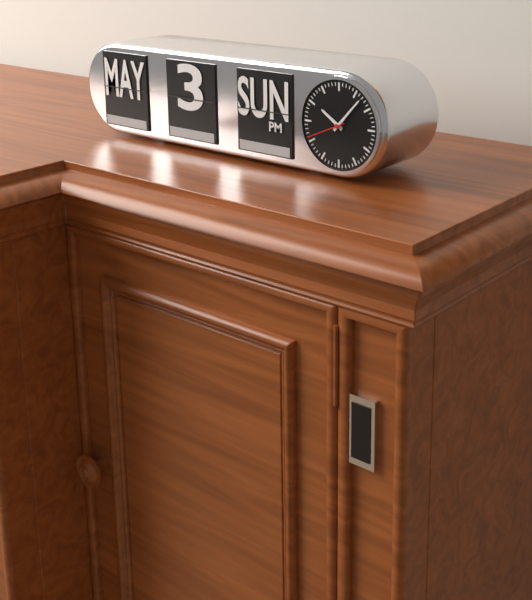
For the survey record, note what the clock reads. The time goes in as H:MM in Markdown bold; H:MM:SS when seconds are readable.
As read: **10:07**
